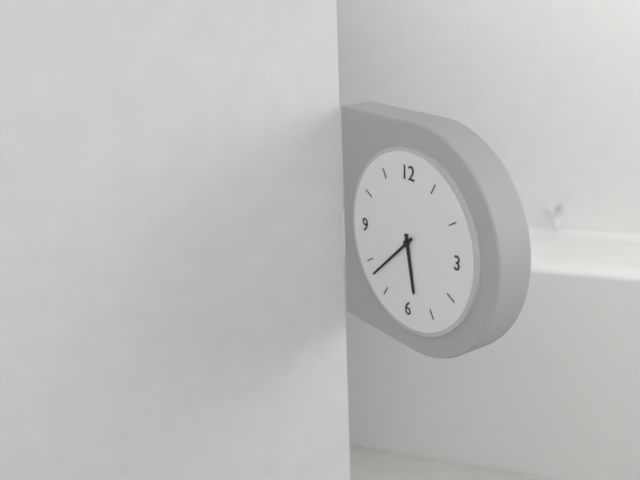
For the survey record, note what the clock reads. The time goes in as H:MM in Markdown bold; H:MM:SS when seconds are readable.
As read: **5:38**
